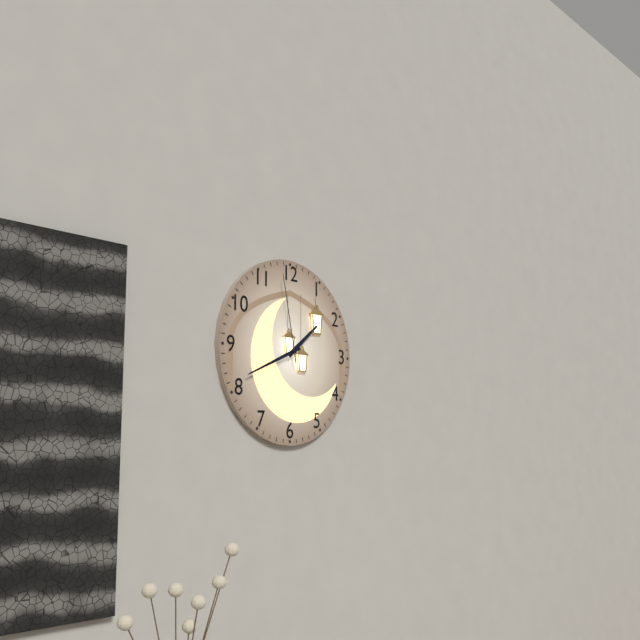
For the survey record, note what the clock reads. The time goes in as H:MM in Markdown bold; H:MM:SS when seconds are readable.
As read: **1:41:58**
